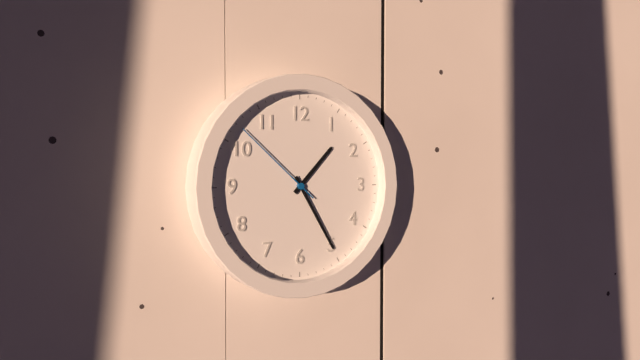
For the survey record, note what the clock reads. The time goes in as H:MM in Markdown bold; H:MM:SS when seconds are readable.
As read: **1:25:52**
